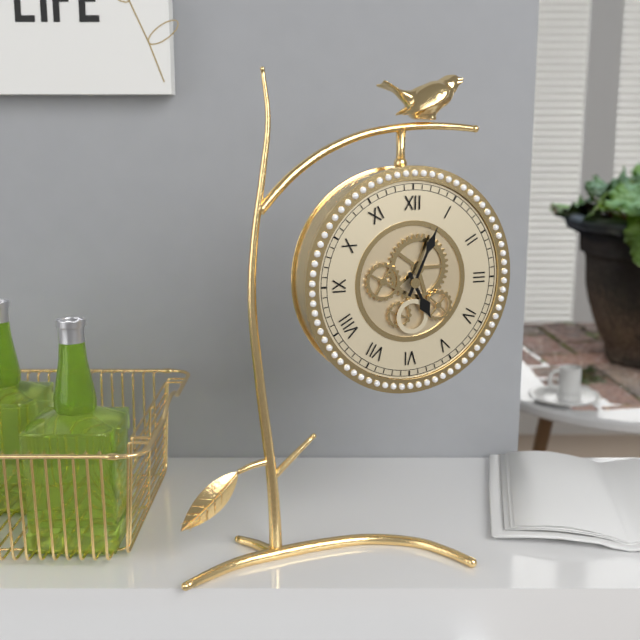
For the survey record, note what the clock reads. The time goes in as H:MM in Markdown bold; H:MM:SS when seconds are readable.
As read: **5:04**
